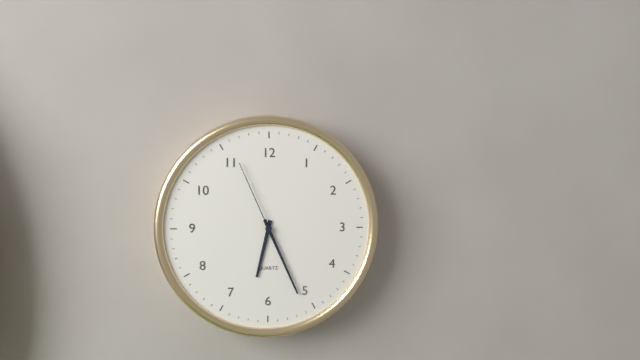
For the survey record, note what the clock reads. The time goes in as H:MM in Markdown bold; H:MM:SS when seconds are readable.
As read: **6:26:56**
